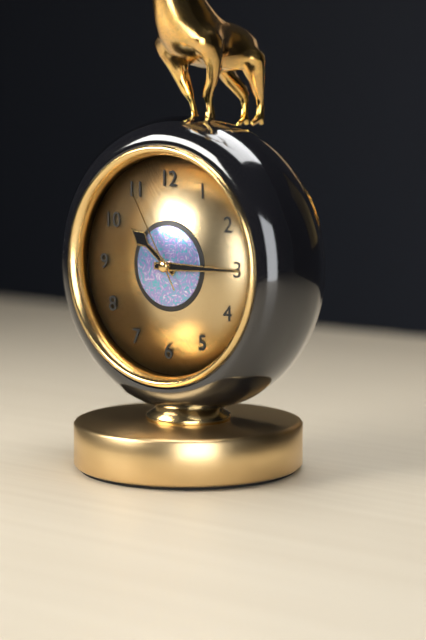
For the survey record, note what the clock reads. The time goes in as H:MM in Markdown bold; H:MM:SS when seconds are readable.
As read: **10:15:55**
